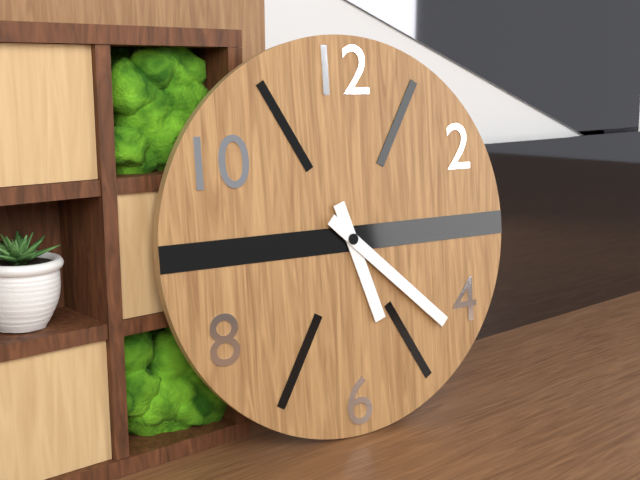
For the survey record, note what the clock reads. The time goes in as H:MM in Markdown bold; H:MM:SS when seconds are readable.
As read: **5:22**
